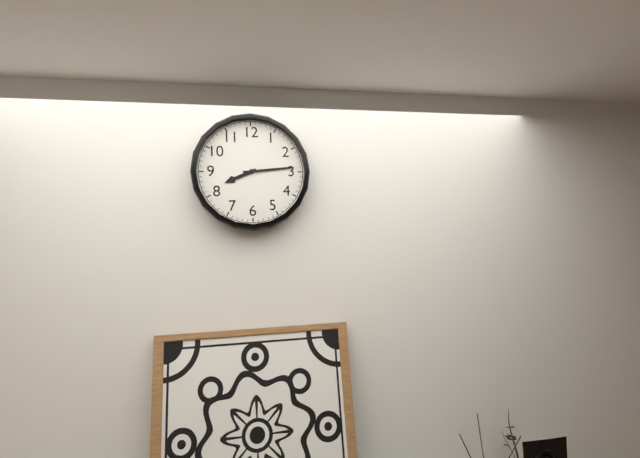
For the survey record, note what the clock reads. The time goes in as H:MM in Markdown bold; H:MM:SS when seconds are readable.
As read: **8:14**
